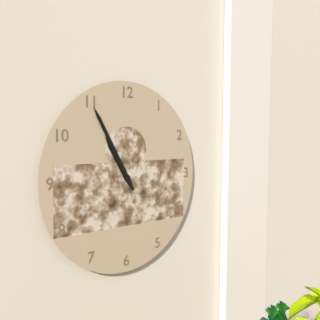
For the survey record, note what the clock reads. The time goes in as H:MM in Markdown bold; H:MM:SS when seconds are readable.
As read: **10:55**
